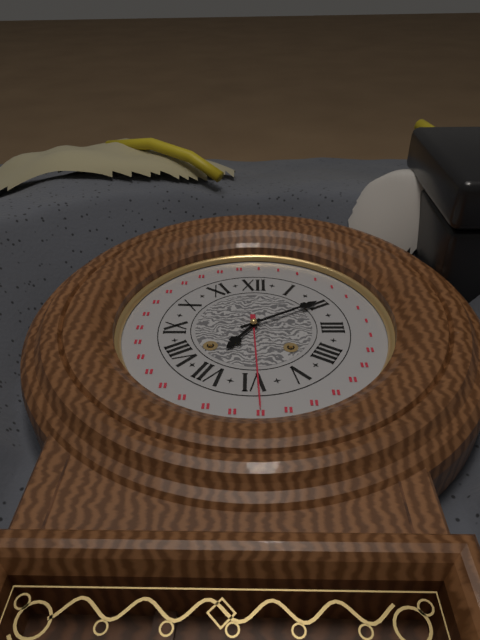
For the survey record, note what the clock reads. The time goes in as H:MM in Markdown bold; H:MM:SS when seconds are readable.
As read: **7:10**
